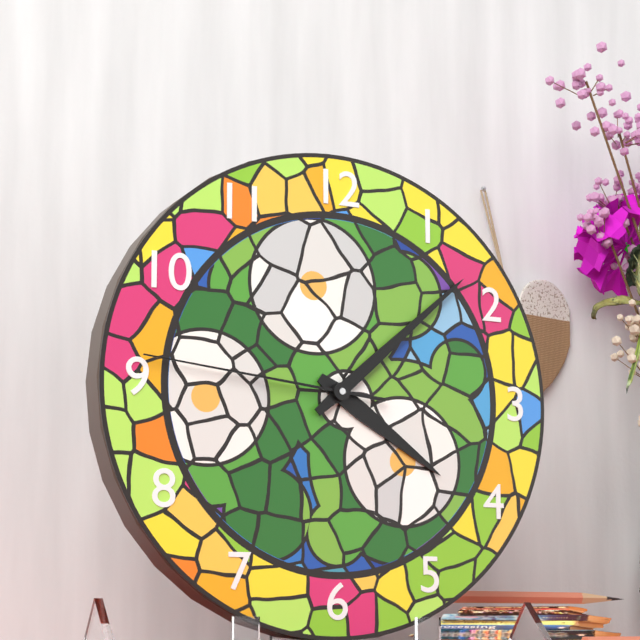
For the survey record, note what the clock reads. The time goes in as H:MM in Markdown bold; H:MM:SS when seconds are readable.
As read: **4:08:46**
